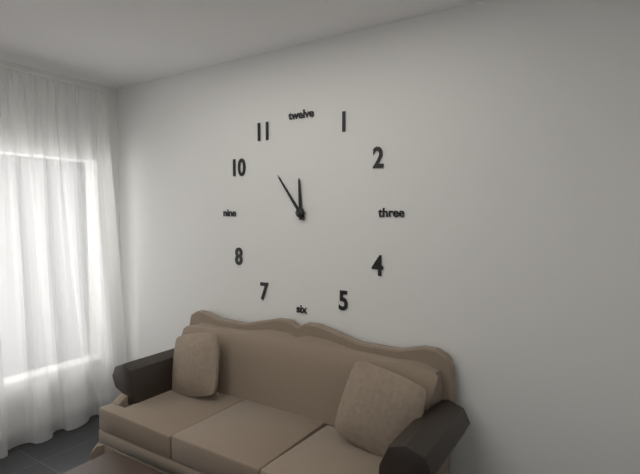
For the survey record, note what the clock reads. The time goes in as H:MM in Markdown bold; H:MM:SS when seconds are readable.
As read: **11:54**
